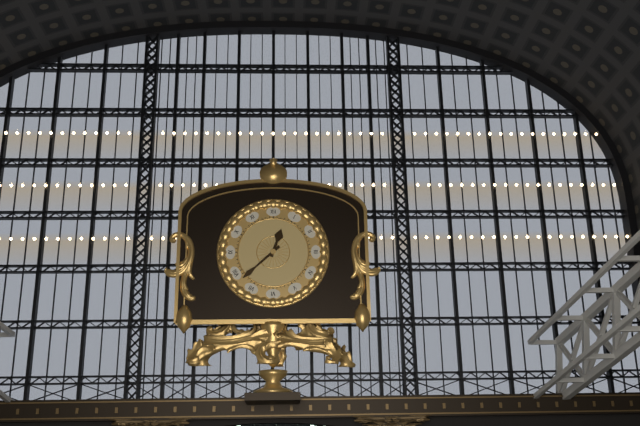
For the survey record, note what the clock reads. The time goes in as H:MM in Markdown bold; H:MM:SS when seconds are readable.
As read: **12:38**
